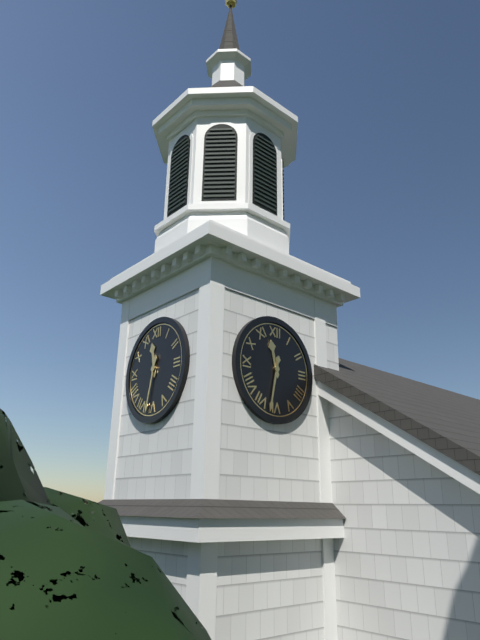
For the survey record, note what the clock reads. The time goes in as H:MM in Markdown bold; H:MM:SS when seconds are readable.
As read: **11:32**
